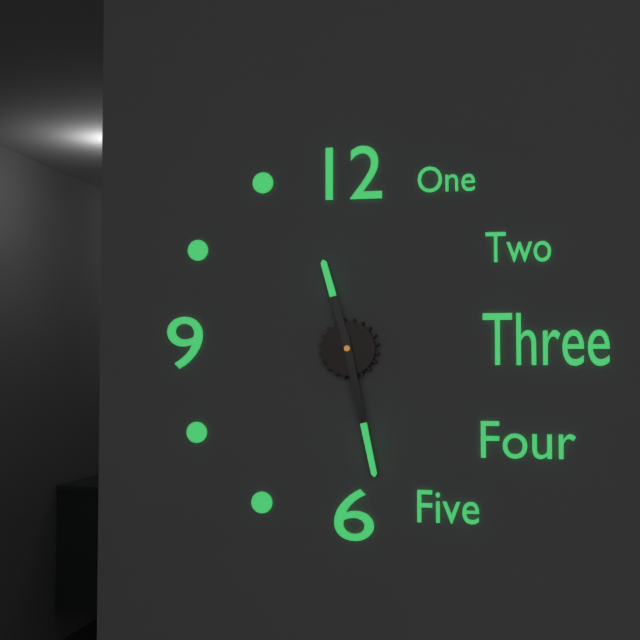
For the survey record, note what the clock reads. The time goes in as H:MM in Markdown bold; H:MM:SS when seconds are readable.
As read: **11:28**
